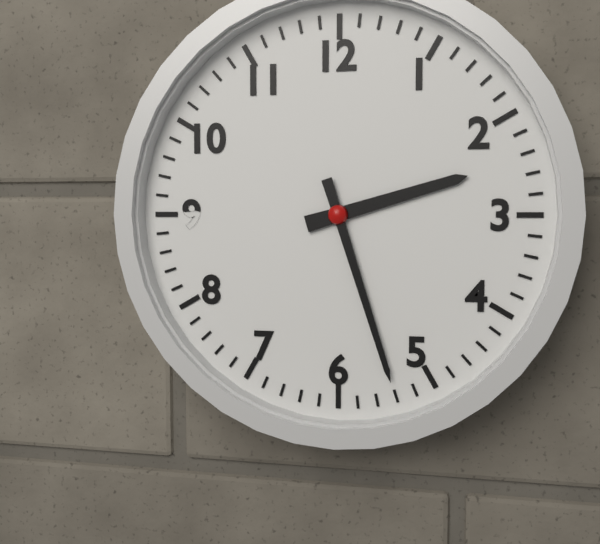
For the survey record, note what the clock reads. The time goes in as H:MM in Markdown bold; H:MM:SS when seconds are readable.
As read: **2:27**
